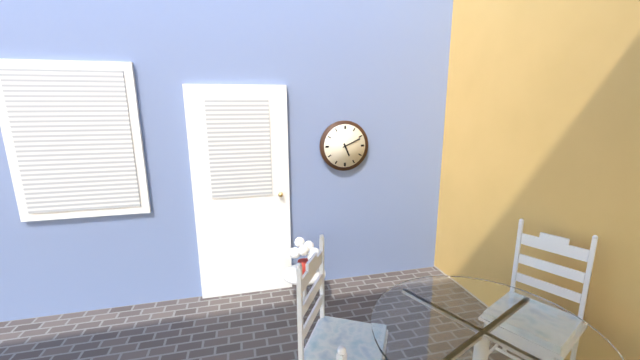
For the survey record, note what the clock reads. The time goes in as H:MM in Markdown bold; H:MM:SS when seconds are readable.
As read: **5:11**
